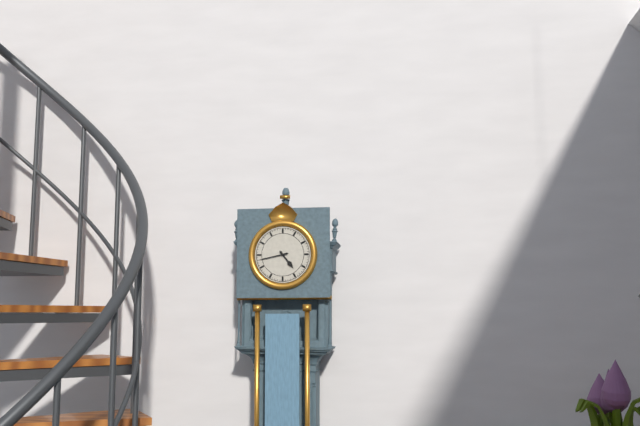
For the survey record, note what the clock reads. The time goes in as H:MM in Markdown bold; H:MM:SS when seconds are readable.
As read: **4:43**
